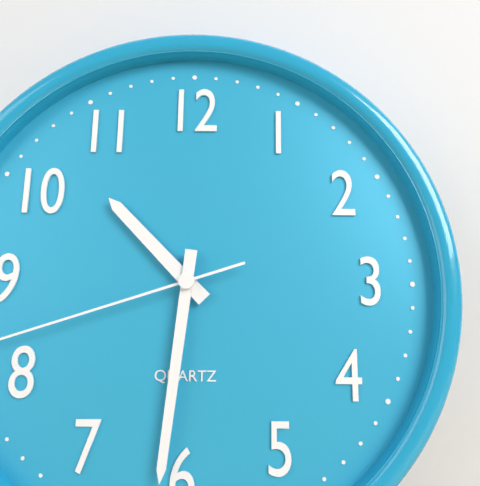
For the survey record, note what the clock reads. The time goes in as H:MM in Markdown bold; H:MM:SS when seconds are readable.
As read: **10:31**
